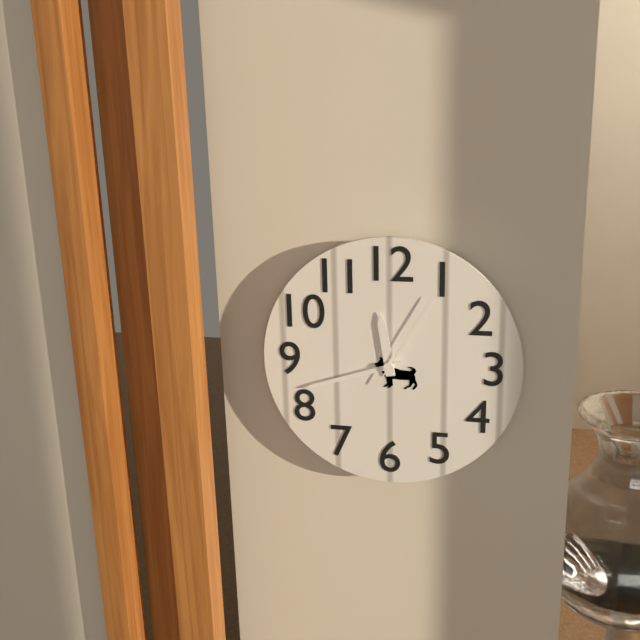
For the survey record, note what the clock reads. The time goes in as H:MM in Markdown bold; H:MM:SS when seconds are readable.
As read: **11:42:05**
